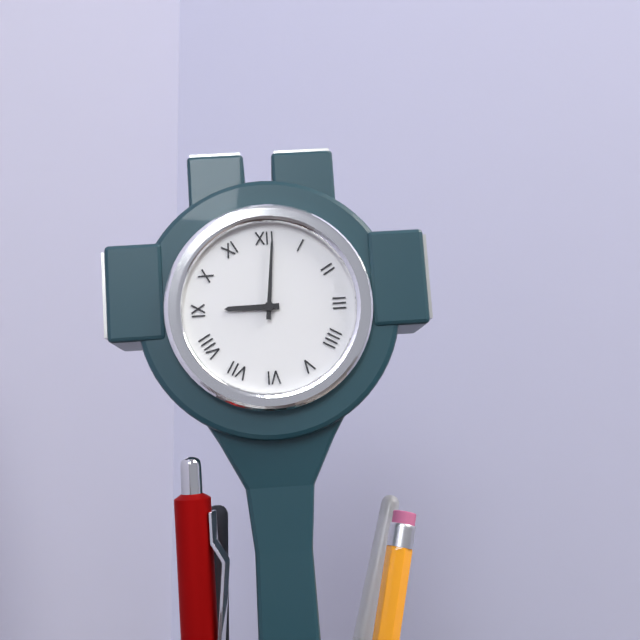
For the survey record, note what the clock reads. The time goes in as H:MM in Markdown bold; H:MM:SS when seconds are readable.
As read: **9:01**
